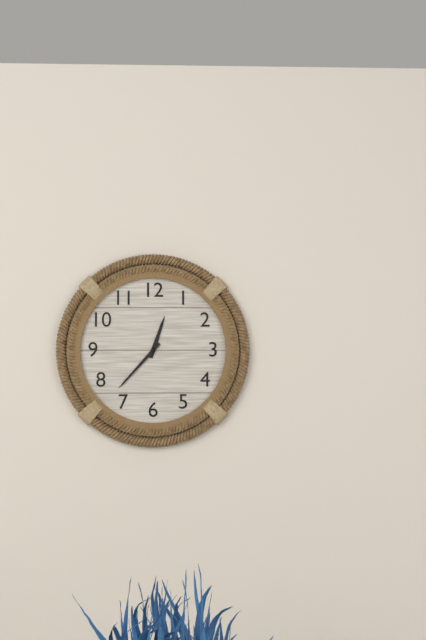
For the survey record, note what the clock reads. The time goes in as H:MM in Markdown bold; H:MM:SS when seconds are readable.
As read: **12:37**
